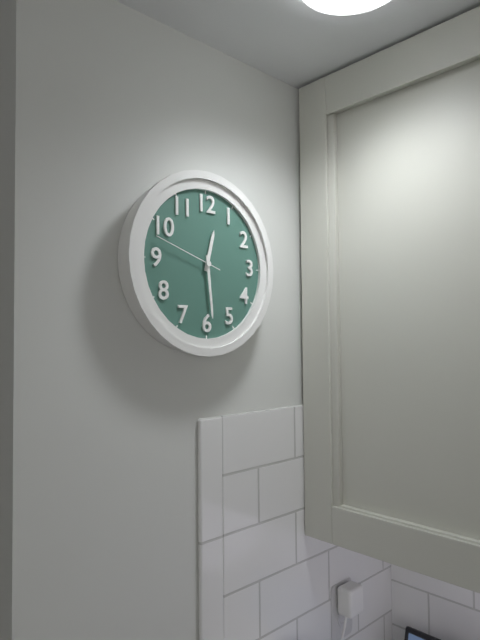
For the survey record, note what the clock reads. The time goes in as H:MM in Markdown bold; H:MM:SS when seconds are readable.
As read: **12:29:48**
